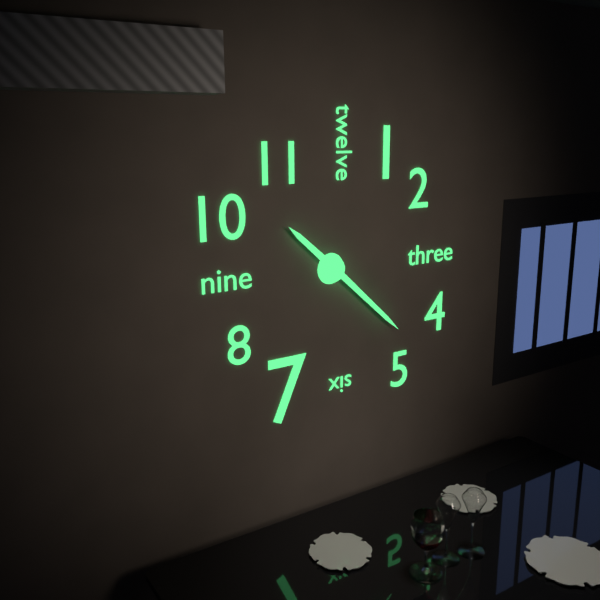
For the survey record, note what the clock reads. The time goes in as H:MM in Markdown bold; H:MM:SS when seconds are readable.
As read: **10:22**
